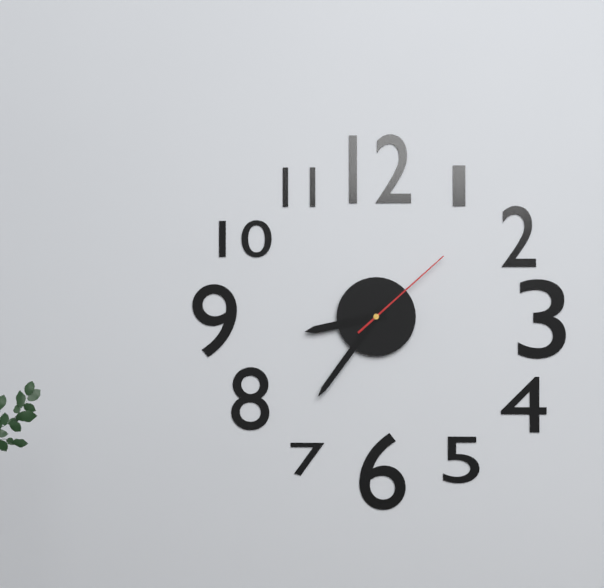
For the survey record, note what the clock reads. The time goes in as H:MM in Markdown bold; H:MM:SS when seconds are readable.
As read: **8:36:08**
